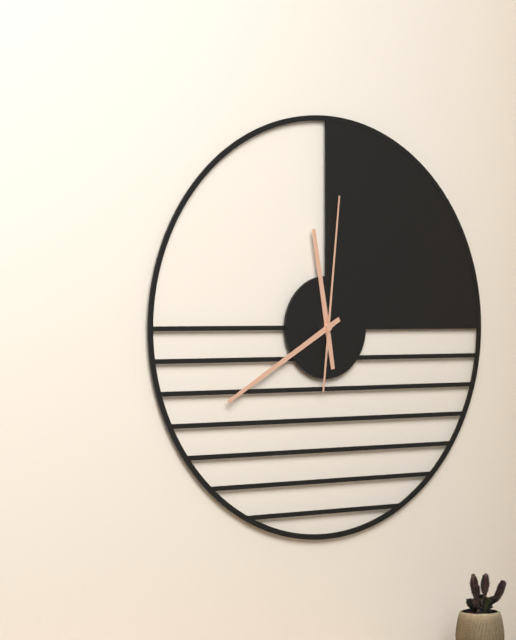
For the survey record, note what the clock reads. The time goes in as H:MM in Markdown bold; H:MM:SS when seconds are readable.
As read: **11:40:01**
